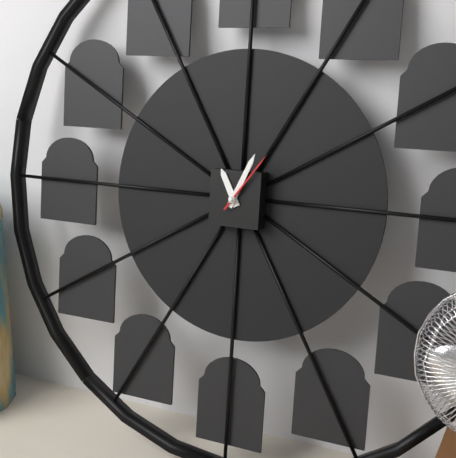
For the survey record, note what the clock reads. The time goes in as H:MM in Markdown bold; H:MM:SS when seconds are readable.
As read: **11:04:06**
